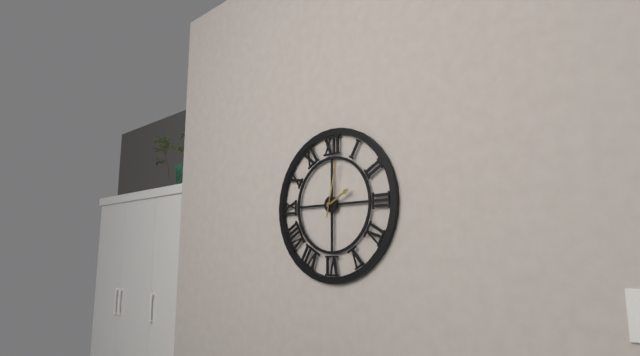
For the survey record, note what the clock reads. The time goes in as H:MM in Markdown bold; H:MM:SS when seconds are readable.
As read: **2:02**
